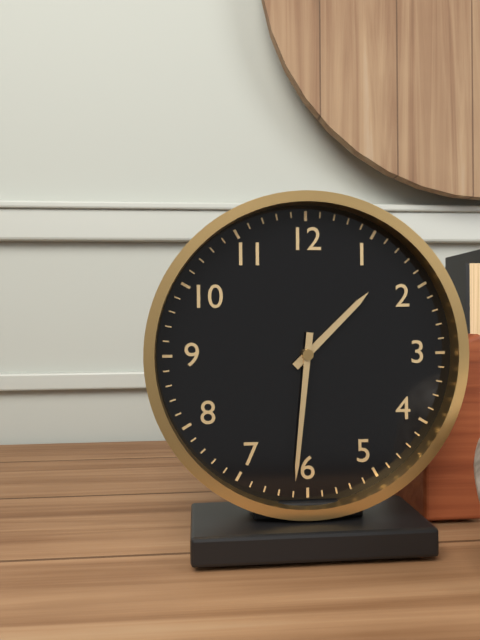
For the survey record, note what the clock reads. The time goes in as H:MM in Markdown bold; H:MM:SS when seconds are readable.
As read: **1:31**
